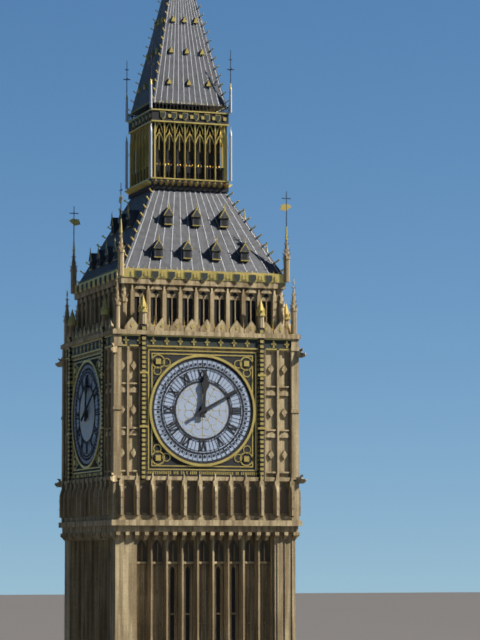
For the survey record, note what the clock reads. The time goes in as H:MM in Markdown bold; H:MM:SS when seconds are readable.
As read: **12:10**
